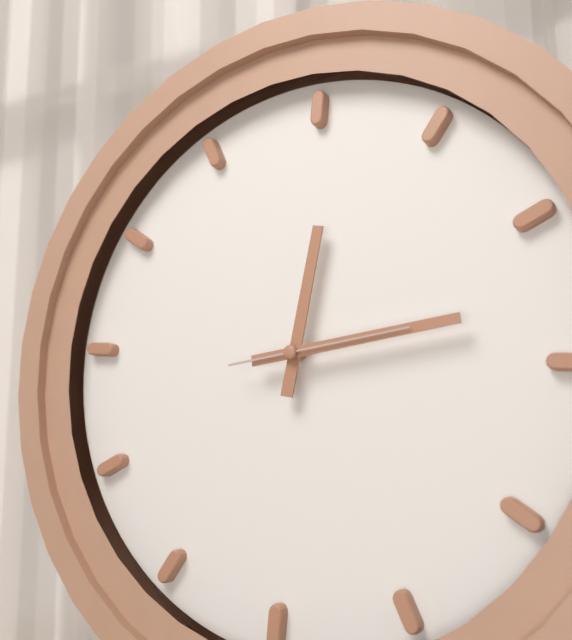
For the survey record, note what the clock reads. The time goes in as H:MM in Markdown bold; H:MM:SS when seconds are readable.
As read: **12:13:13**
